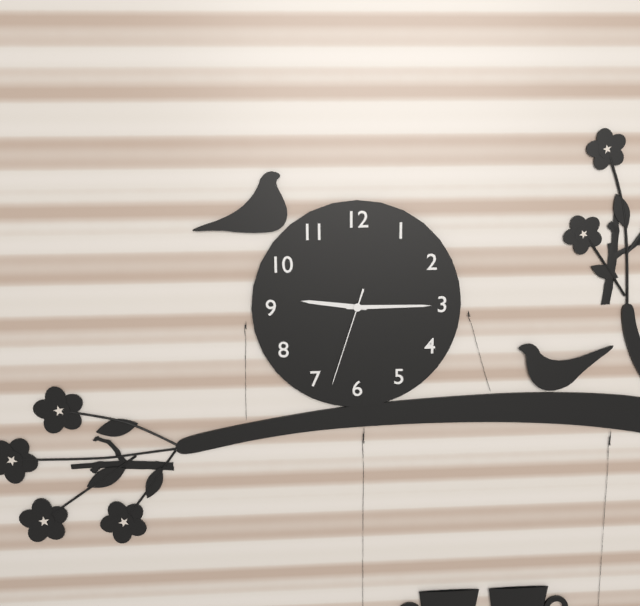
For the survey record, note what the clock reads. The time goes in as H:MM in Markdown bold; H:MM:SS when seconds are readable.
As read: **9:15:33**
